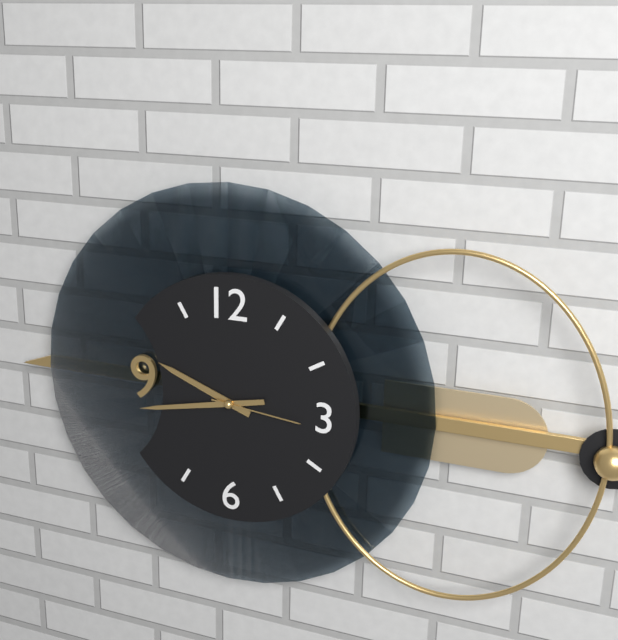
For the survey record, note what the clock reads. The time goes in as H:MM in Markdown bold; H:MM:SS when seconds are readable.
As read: **9:43:16**
